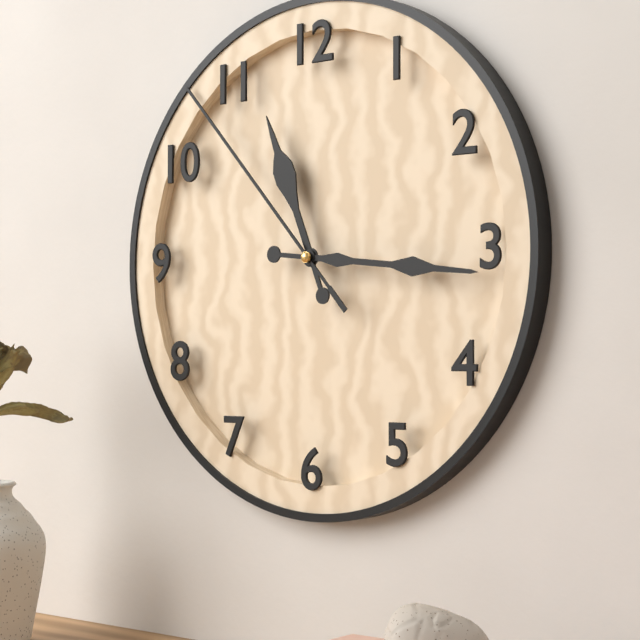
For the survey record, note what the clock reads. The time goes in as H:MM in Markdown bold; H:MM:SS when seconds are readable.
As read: **11:16:53**
